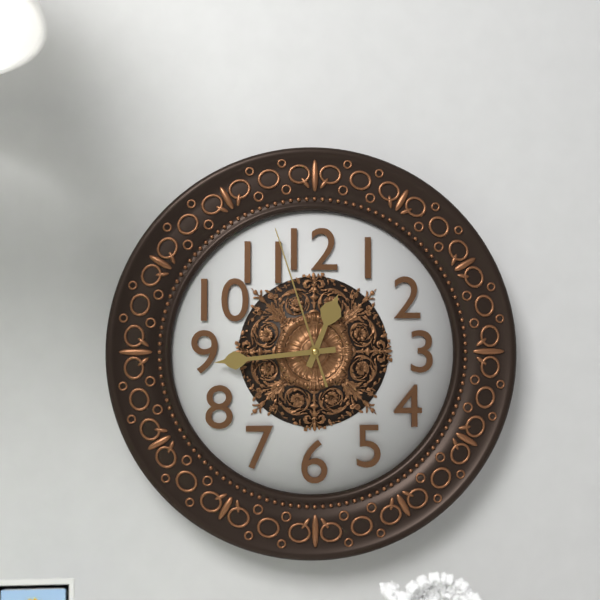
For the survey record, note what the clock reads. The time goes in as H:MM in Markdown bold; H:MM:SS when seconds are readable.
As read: **12:44:57**
